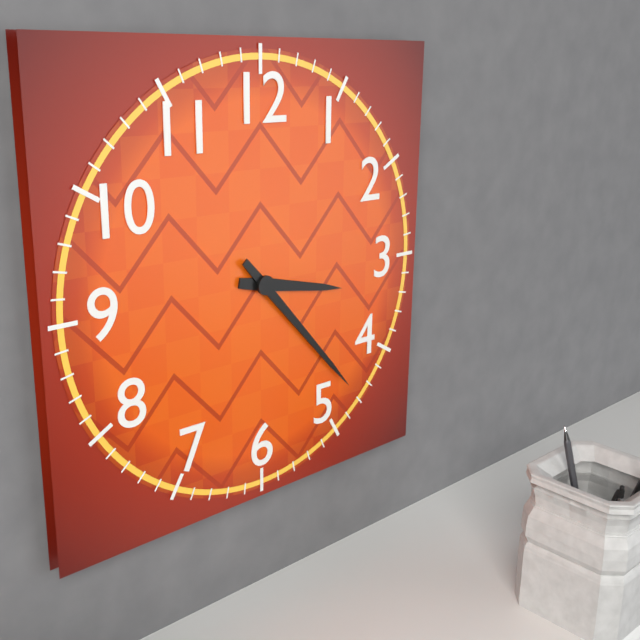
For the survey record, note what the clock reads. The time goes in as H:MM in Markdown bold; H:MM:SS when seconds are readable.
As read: **3:23**
